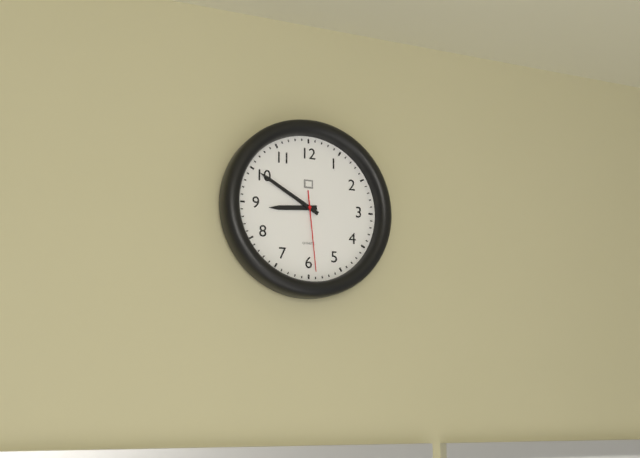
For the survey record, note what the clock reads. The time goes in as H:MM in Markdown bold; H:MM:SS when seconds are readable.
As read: **8:50:29**
